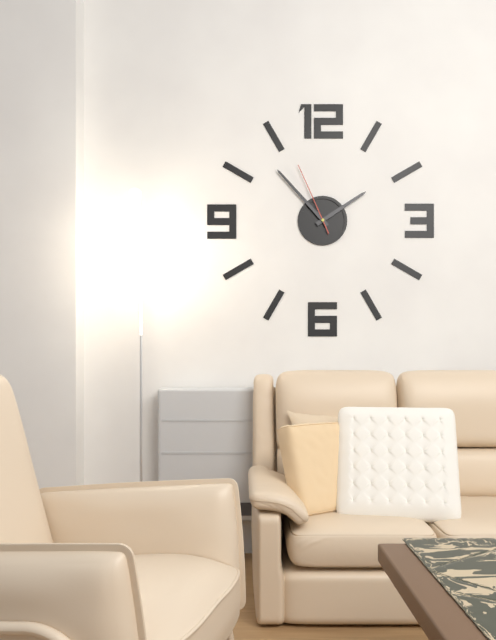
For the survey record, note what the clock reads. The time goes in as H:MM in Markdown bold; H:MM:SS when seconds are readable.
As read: **1:53:56**
